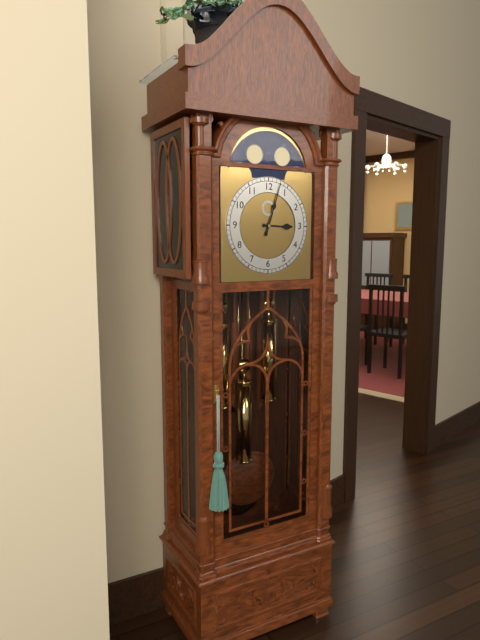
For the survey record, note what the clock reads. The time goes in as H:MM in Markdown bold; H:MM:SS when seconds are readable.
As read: **3:03**
